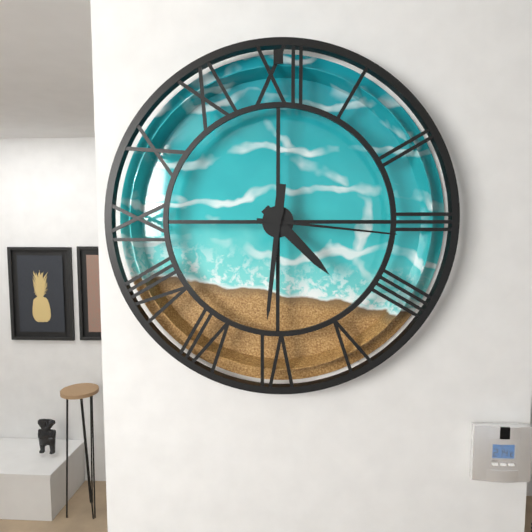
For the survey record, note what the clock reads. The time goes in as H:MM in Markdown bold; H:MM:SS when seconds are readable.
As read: **4:31:16**
